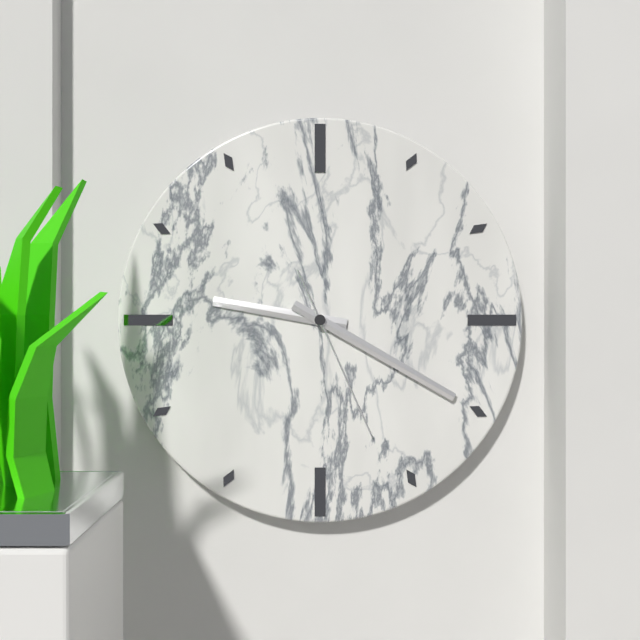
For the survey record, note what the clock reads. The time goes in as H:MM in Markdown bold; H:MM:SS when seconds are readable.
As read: **9:20:26**
